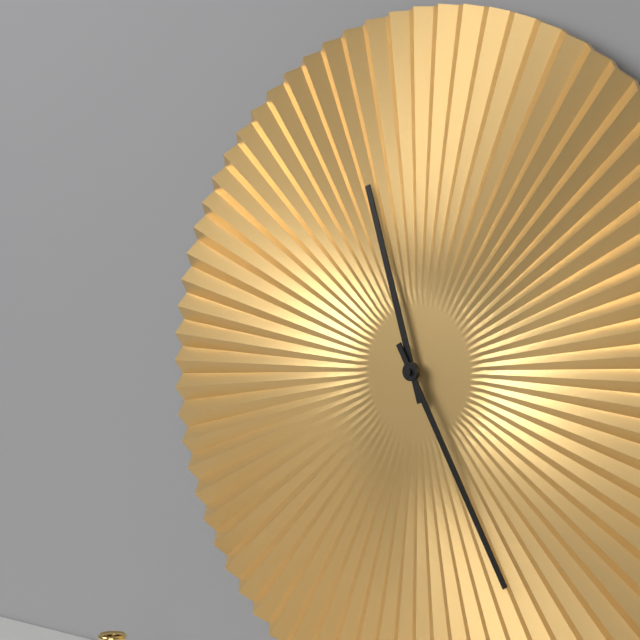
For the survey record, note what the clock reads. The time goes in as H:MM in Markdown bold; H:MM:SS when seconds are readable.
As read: **11:25**
